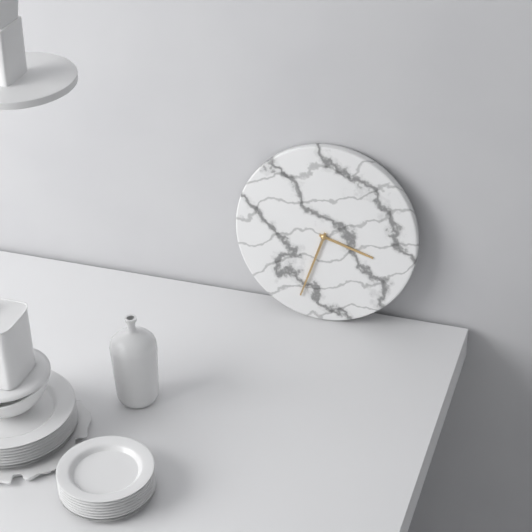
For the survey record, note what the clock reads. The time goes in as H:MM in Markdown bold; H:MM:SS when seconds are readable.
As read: **3:33**
